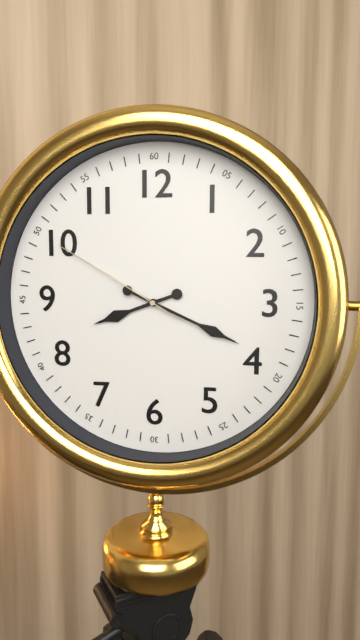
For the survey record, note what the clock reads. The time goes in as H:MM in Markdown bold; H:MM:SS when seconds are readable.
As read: **8:19:50**
